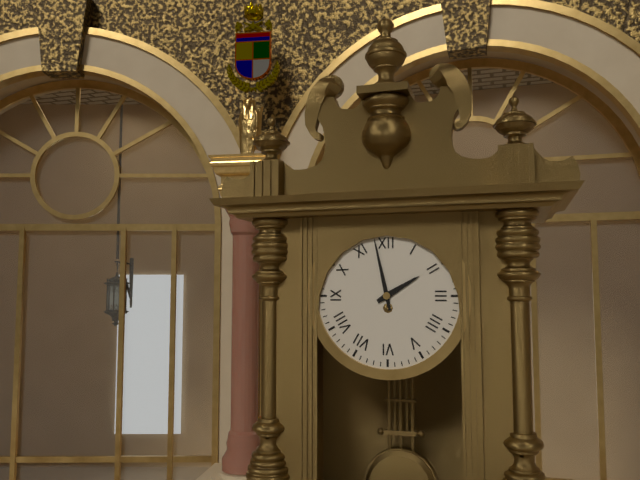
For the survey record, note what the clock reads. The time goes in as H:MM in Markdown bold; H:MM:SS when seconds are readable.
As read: **1:58**
